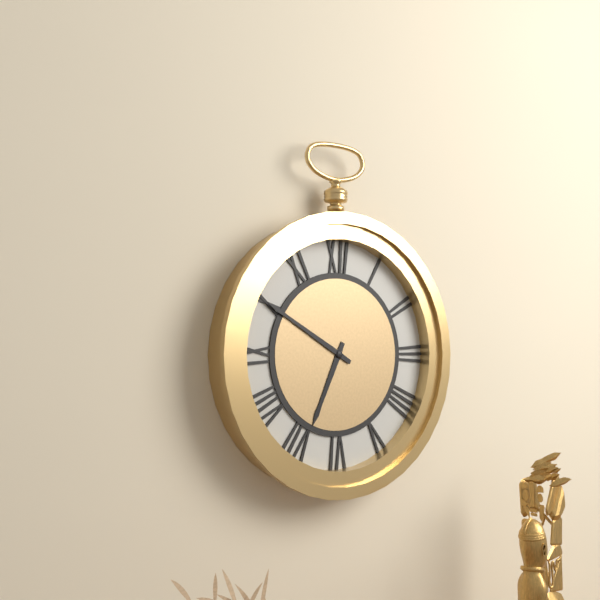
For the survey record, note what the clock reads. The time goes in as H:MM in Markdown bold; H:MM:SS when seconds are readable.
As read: **6:50**
